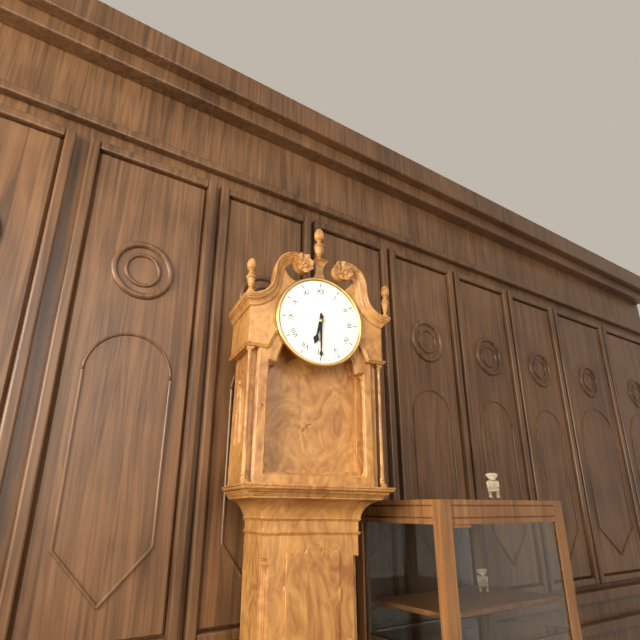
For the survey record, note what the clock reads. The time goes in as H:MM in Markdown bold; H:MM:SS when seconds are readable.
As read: **6:30**
